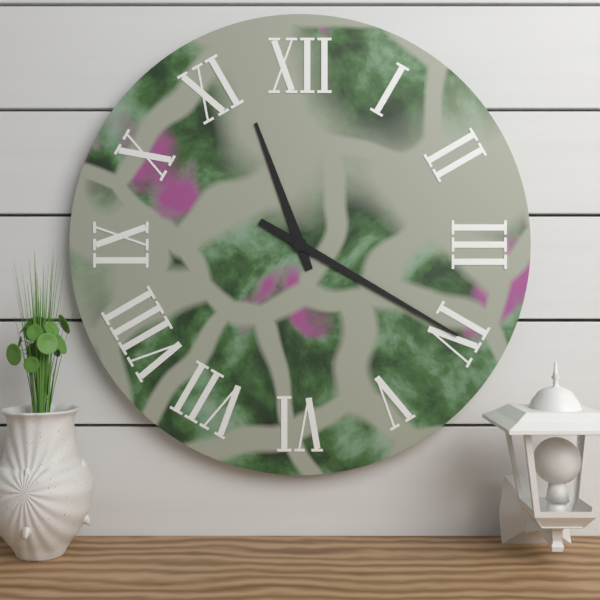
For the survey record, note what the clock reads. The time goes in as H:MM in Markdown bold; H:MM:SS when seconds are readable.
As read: **11:20**
